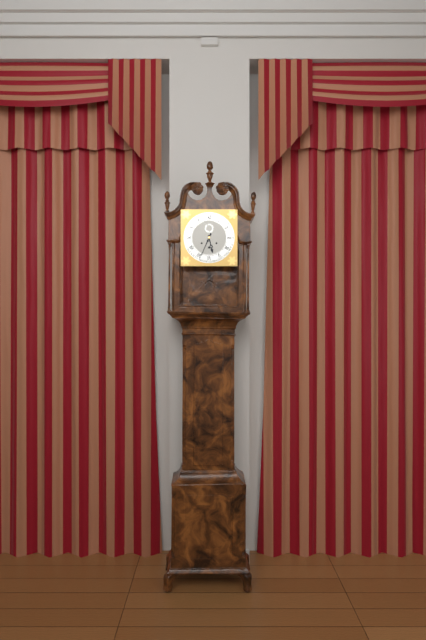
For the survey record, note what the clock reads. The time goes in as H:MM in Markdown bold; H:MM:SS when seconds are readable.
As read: **5:34**
